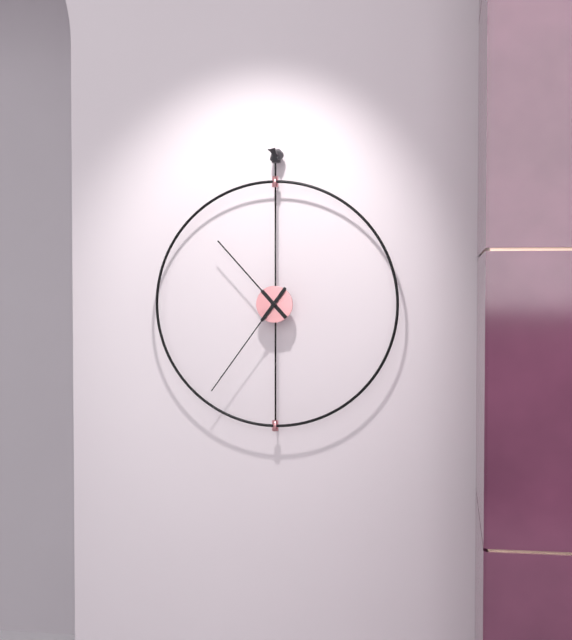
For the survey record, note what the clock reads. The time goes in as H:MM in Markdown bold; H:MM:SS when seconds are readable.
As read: **10:36**
